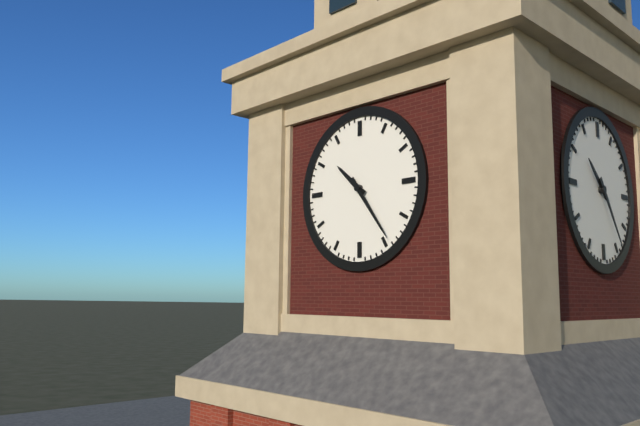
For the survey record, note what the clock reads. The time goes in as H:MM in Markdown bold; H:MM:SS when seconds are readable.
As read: **10:24**
